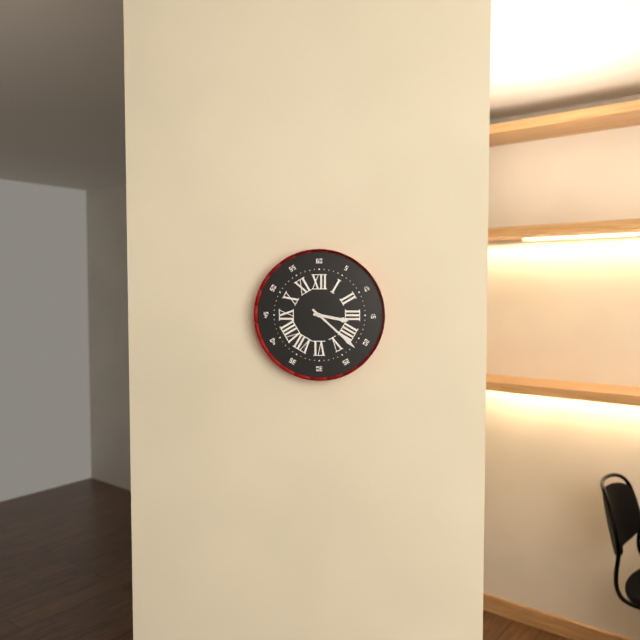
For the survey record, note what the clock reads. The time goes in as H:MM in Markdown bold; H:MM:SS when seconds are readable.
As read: **3:22**
